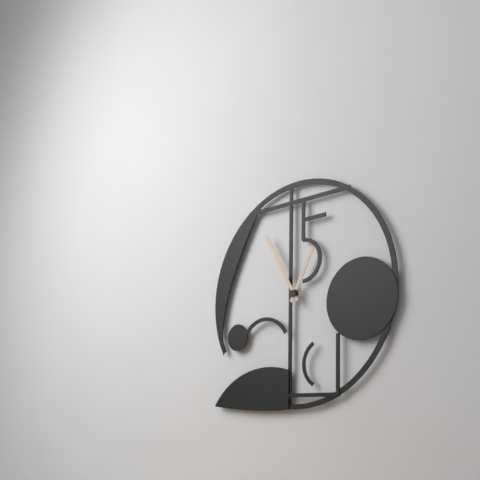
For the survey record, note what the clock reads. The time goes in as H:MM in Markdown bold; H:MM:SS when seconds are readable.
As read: **12:55**
